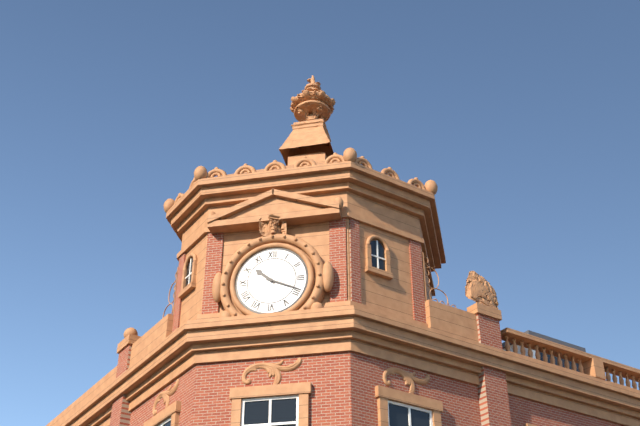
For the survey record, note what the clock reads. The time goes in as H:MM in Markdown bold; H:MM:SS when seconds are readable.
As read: **10:19**
